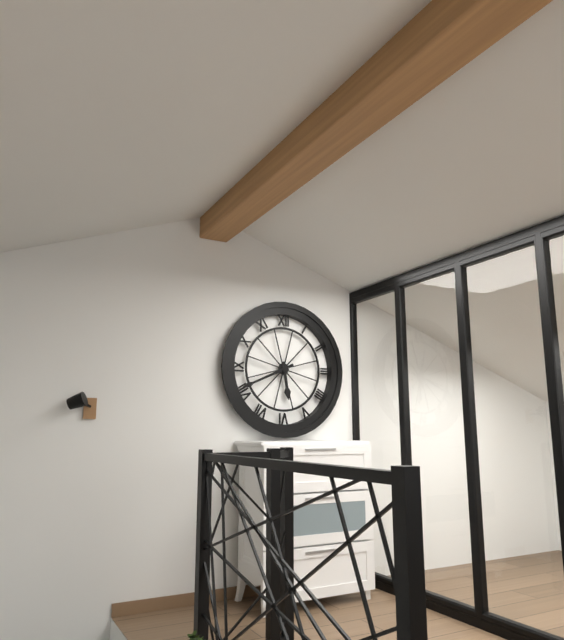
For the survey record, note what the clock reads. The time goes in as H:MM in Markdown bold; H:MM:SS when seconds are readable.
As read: **5:41**
